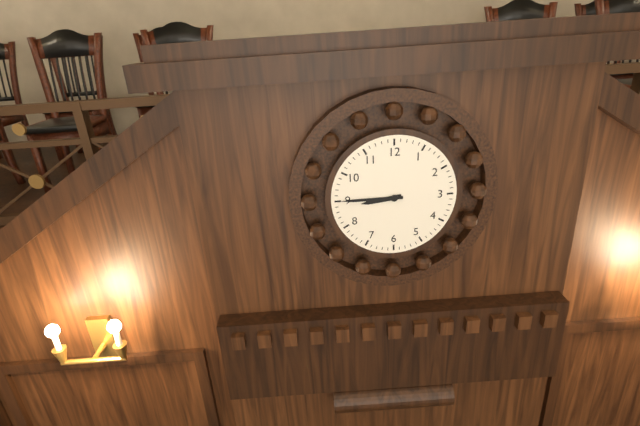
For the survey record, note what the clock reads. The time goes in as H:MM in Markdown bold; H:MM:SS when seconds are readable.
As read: **8:45**
